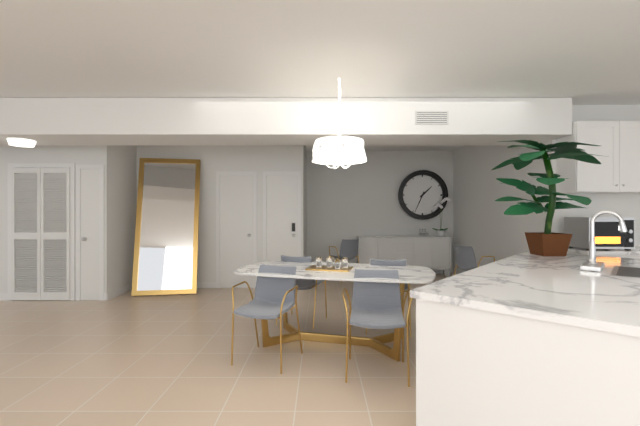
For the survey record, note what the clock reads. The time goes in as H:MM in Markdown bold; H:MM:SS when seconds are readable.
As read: **1:34**
